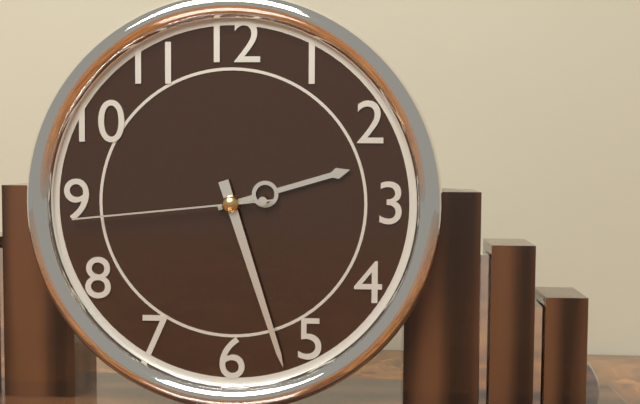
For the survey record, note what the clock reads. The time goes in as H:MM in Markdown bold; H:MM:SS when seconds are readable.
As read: **2:27:44**
